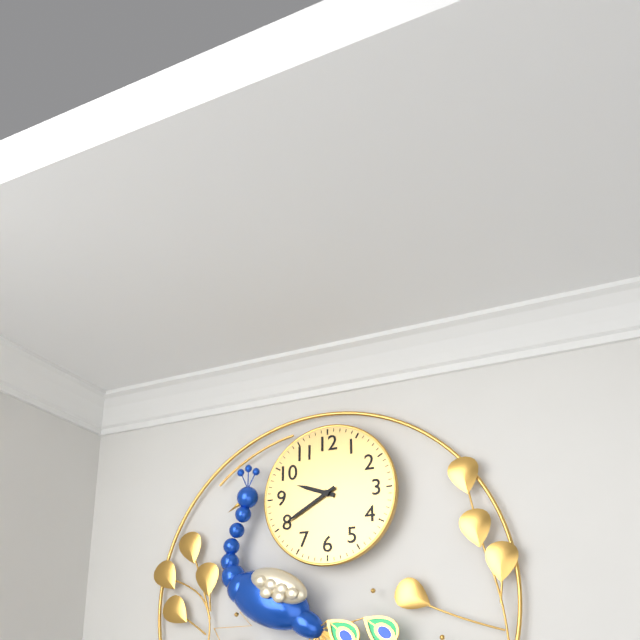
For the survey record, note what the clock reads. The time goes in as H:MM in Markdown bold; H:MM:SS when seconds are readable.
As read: **9:40**
